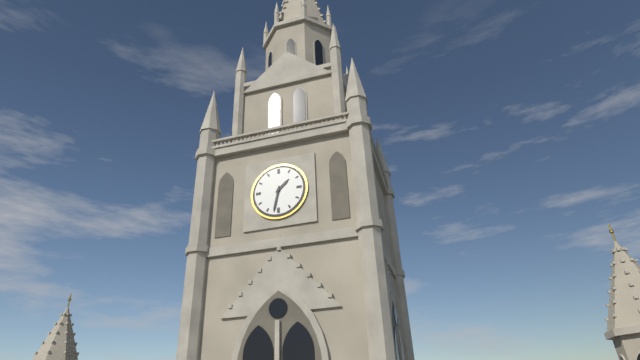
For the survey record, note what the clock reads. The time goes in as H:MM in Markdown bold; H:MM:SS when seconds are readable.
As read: **1:32**
